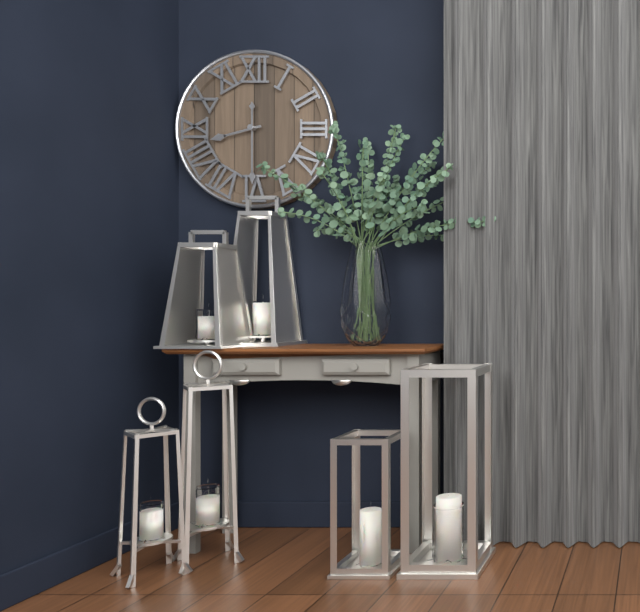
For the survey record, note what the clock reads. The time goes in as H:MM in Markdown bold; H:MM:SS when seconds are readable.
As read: **8:30**
